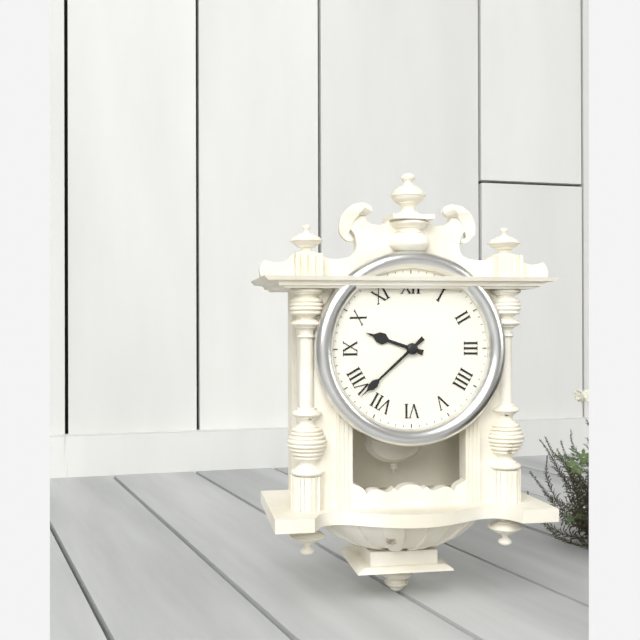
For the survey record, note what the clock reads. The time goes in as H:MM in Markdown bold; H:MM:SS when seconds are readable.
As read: **9:38**
